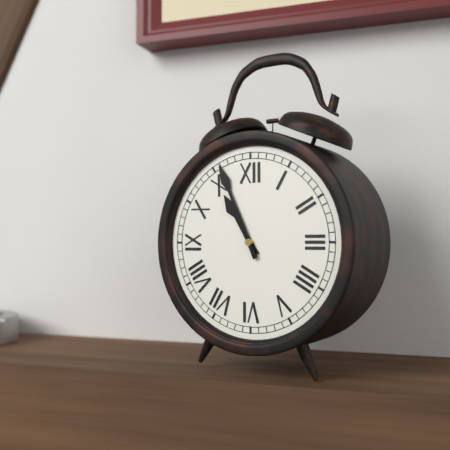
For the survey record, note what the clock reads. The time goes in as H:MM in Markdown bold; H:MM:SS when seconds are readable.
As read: **10:56**
